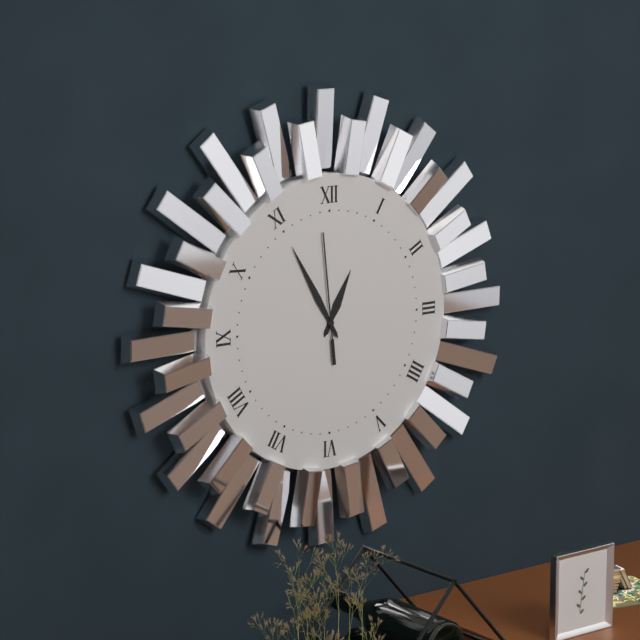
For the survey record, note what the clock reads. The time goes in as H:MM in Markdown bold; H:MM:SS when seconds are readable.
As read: **12:55:59**
